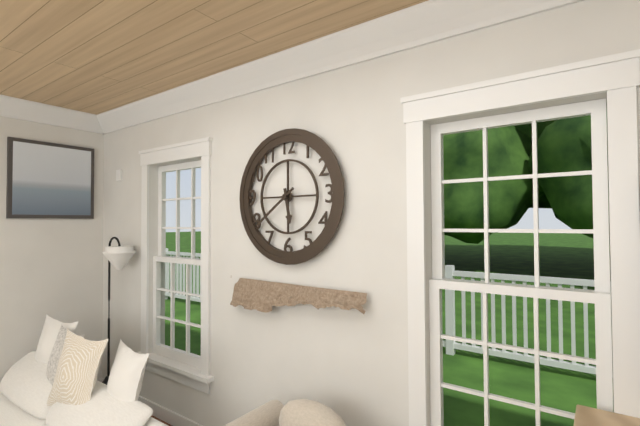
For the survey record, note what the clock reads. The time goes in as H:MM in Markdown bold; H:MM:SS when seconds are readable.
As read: **5:39**
